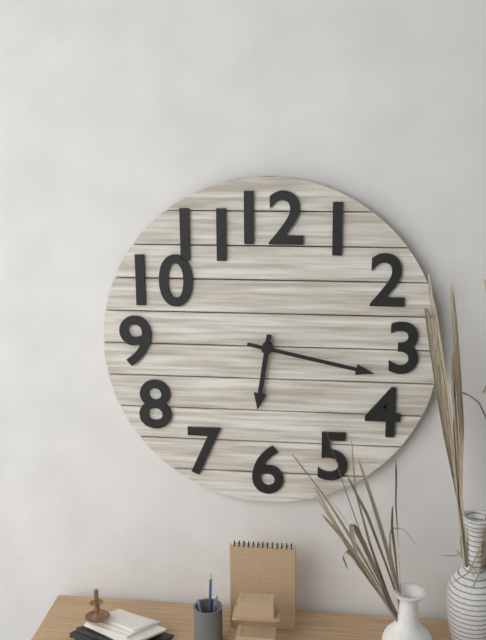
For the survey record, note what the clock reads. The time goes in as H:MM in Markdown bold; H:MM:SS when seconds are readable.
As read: **6:17**
